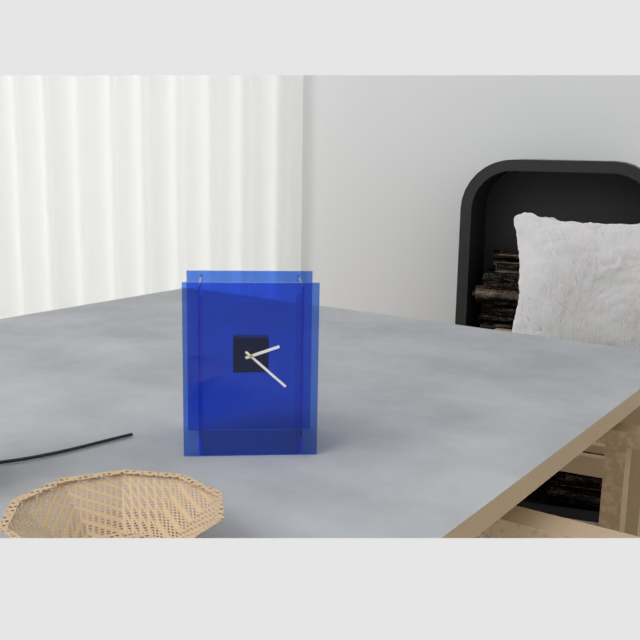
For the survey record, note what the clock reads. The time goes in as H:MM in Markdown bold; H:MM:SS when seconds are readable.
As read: **2:22**
